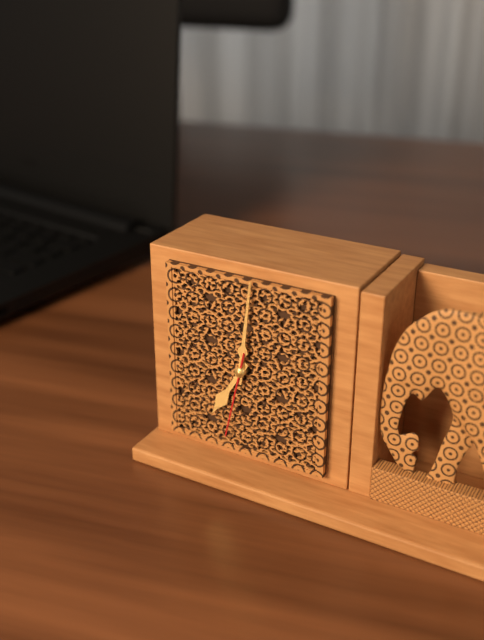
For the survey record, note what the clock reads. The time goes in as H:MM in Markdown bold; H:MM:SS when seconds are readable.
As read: **7:01:32**
